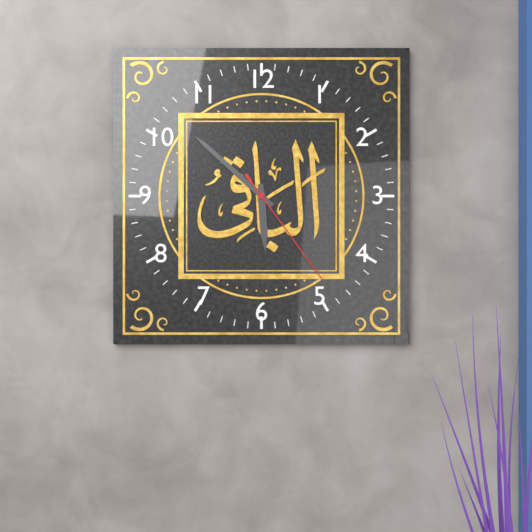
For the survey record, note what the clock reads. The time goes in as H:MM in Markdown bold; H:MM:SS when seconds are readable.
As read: **5:52:24**
